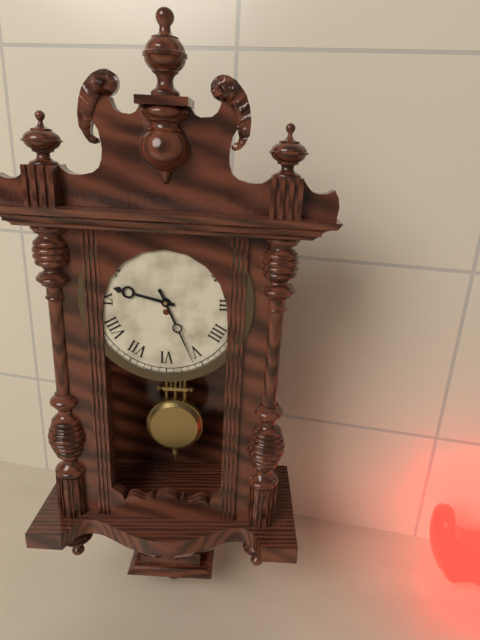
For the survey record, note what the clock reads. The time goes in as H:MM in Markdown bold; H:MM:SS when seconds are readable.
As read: **9:26**
